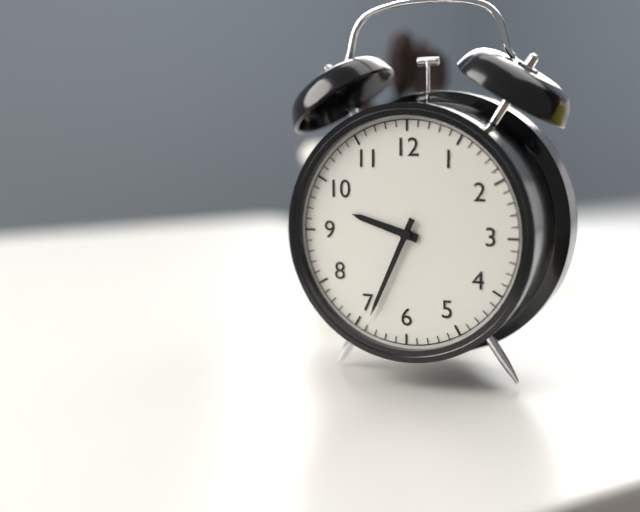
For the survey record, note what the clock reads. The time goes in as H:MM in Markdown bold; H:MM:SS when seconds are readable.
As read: **9:34**
